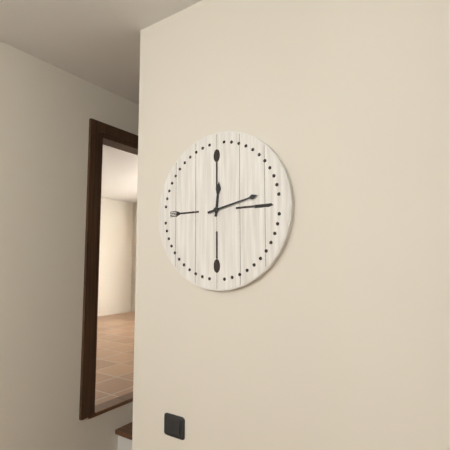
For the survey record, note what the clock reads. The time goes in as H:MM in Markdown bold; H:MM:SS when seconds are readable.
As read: **12:13**
